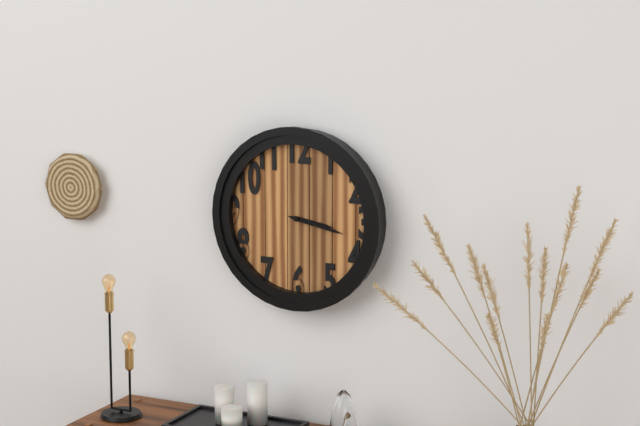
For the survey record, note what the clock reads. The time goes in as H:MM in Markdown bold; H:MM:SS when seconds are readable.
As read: **3:17**
